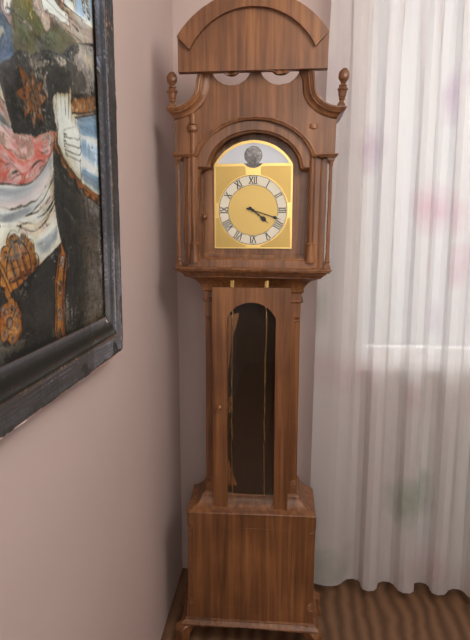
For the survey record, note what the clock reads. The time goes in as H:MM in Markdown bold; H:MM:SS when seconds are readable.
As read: **4:18**
